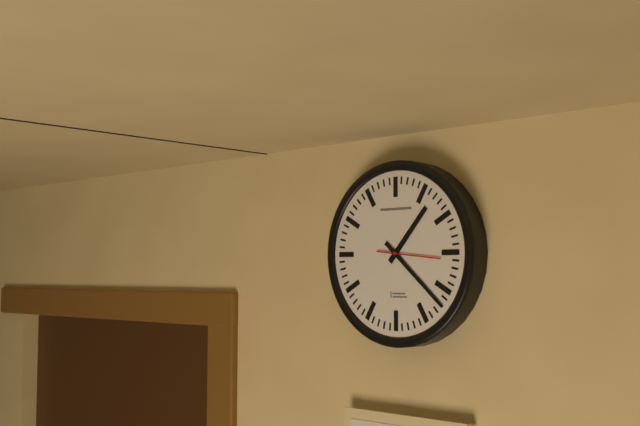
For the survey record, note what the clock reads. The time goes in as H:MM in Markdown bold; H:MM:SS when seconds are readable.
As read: **1:22:16**
